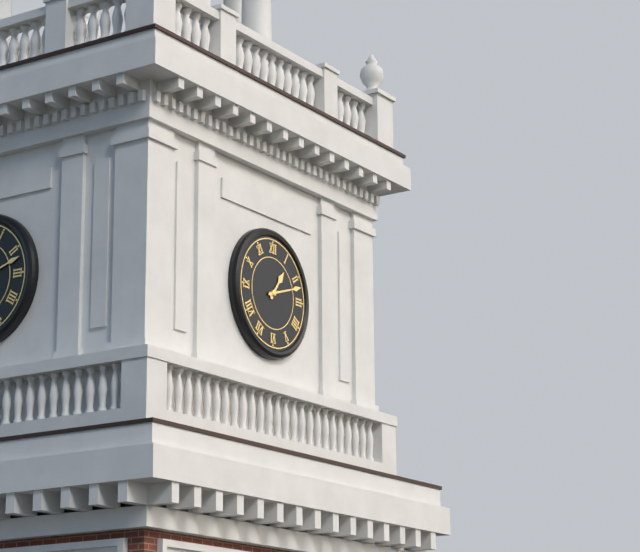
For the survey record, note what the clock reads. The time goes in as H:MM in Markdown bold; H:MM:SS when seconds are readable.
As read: **1:12**
